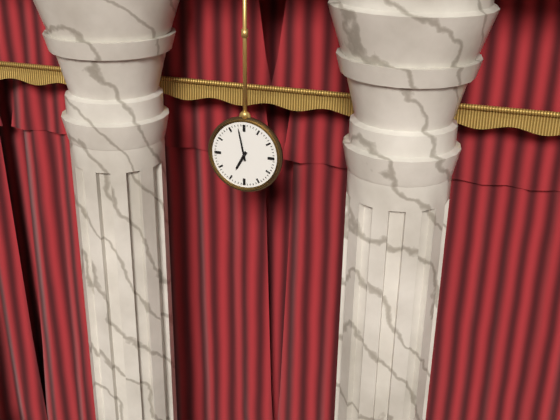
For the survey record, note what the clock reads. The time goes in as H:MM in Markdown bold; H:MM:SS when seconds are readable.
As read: **6:58**
